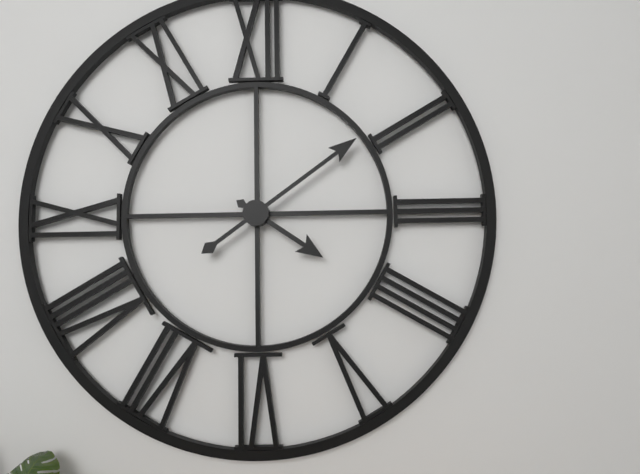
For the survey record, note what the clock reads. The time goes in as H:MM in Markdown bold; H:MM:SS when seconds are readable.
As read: **4:09**
